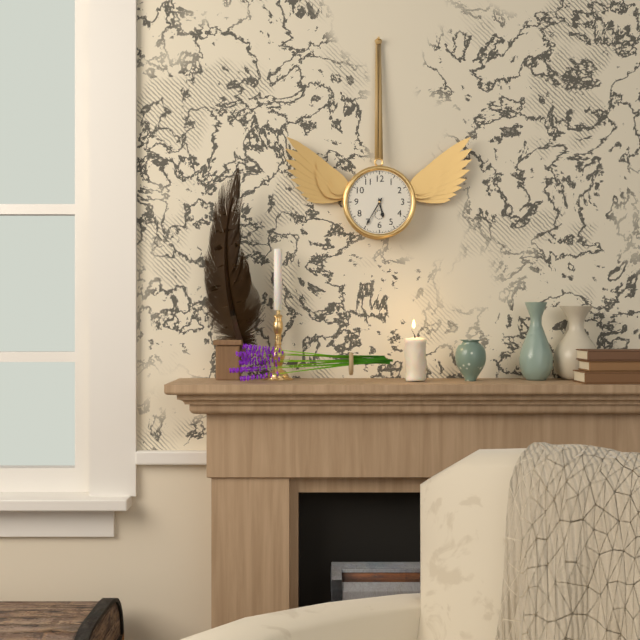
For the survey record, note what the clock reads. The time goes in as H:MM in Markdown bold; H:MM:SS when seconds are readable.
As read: **5:35**
